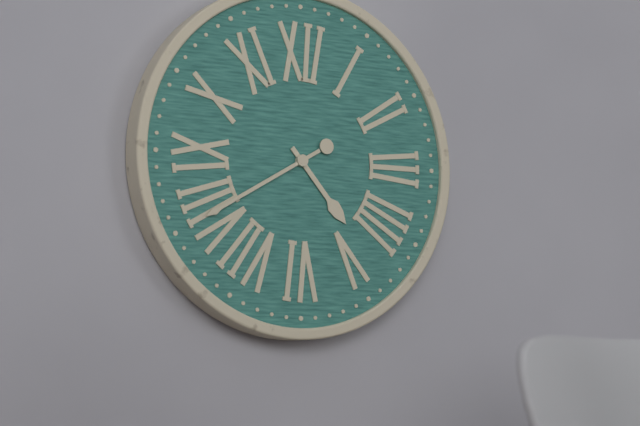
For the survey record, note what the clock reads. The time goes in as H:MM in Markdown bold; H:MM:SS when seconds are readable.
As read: **4:40**
